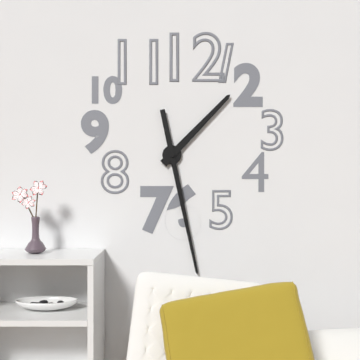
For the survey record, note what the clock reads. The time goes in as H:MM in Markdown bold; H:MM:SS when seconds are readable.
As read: **1:28**
